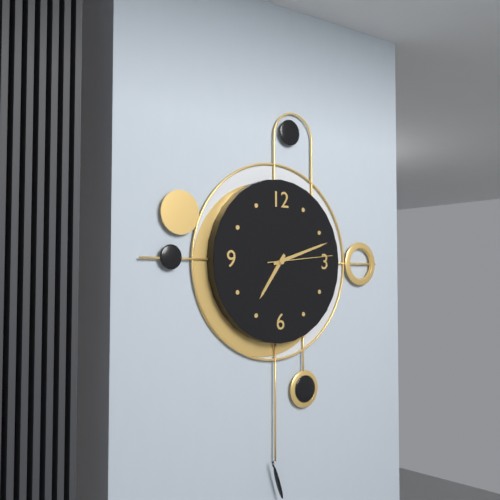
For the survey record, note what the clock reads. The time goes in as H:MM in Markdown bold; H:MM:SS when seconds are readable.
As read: **7:12:14**
